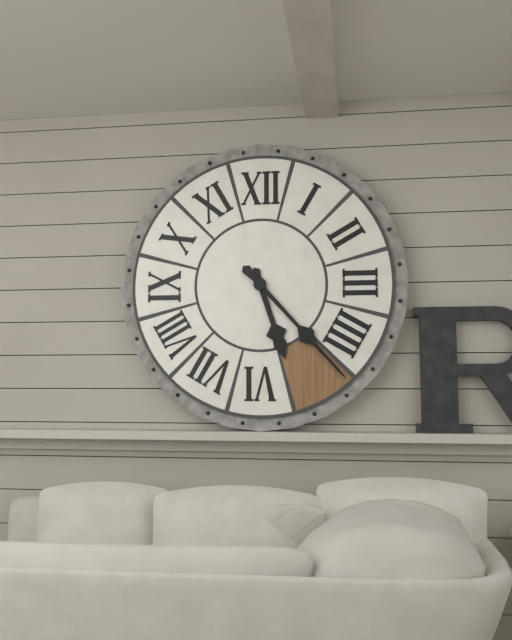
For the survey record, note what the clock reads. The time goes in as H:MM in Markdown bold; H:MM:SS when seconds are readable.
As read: **5:23**
